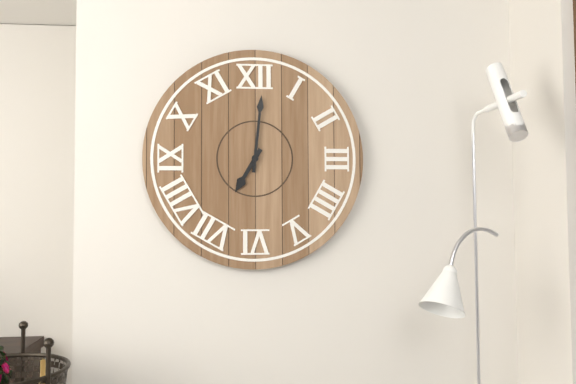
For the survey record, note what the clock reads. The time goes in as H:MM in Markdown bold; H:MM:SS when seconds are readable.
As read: **7:01**
